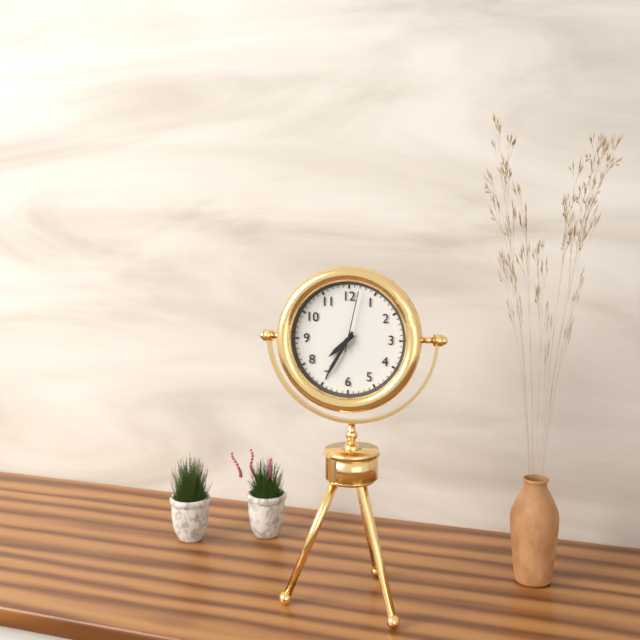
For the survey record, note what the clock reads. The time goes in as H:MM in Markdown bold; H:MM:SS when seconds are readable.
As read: **7:35:02**
